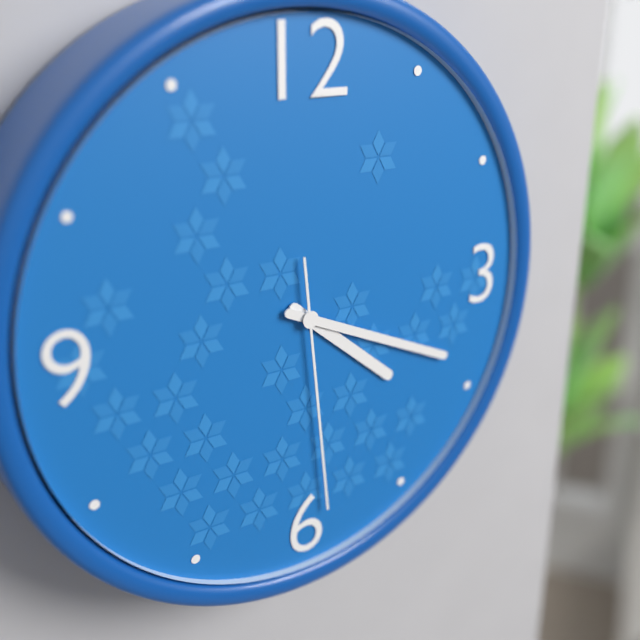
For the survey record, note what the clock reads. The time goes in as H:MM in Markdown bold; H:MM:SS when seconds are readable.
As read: **4:19:29**
